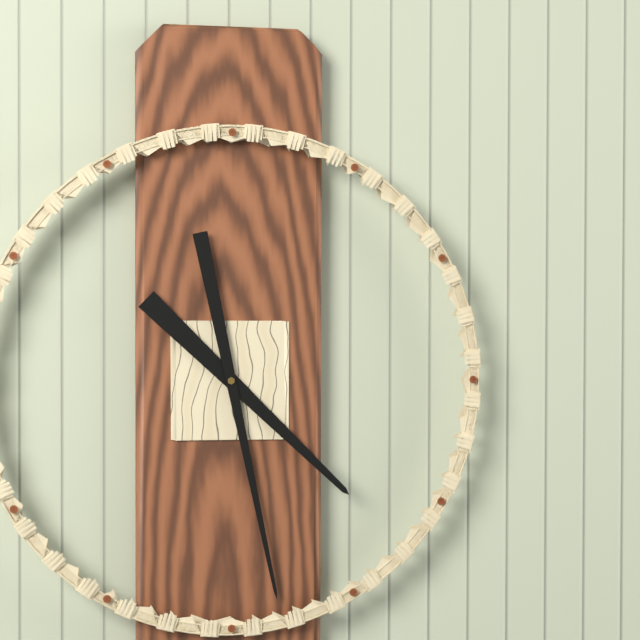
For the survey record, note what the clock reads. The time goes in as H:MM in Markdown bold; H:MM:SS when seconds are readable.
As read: **4:28**
